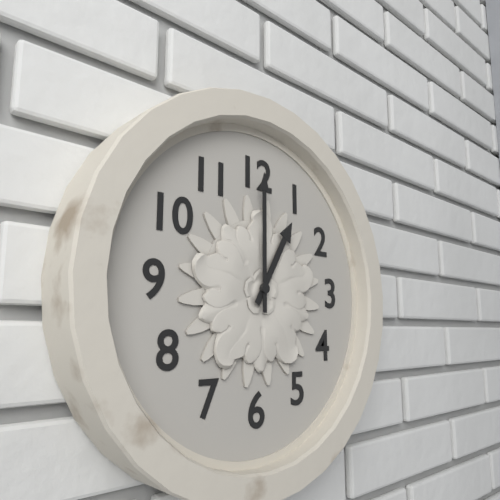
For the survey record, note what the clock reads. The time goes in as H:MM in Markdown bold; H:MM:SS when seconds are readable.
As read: **1:00**
